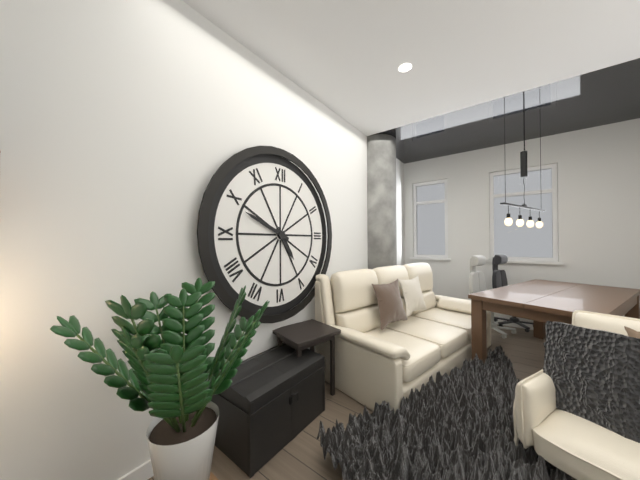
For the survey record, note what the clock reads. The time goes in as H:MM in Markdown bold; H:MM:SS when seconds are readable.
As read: **4:49**
